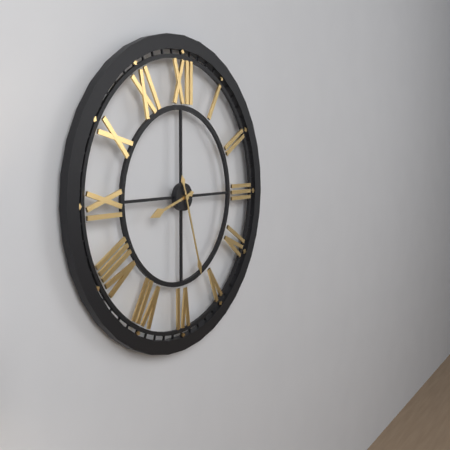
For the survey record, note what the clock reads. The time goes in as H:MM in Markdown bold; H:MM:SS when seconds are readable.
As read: **8:27**
